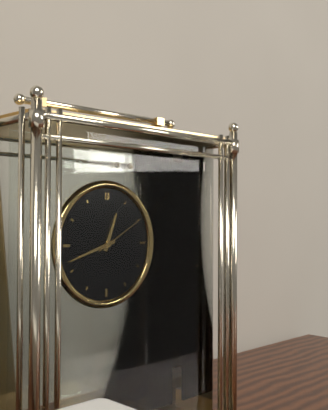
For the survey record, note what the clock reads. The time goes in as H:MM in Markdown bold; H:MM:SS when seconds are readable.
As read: **12:42:10**
